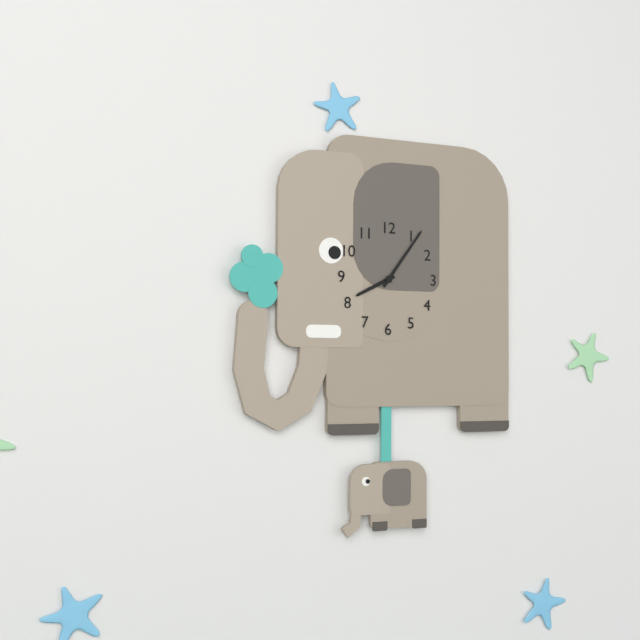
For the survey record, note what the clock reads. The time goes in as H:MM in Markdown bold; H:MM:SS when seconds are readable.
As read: **8:06**
